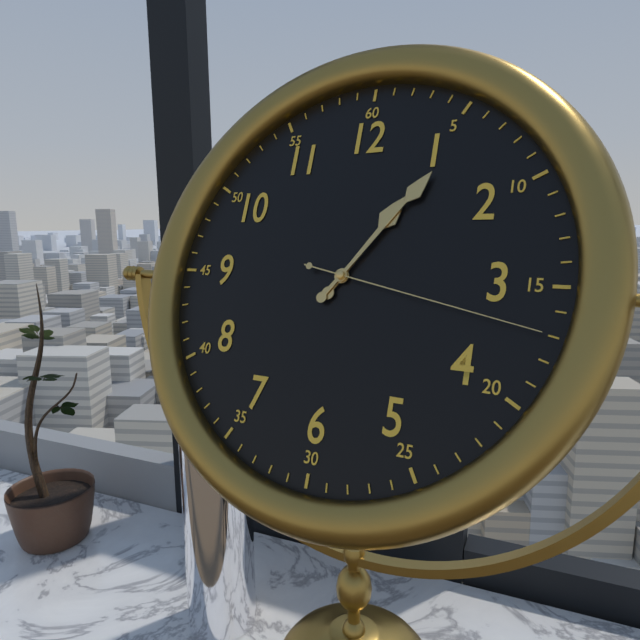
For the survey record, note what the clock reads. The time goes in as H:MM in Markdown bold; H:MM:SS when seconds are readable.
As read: **1:06:17**
